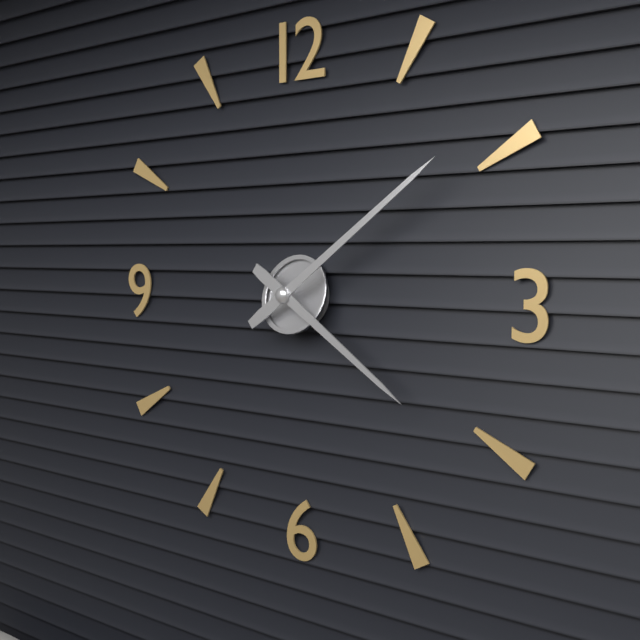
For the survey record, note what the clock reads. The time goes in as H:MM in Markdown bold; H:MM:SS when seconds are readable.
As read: **4:09**
